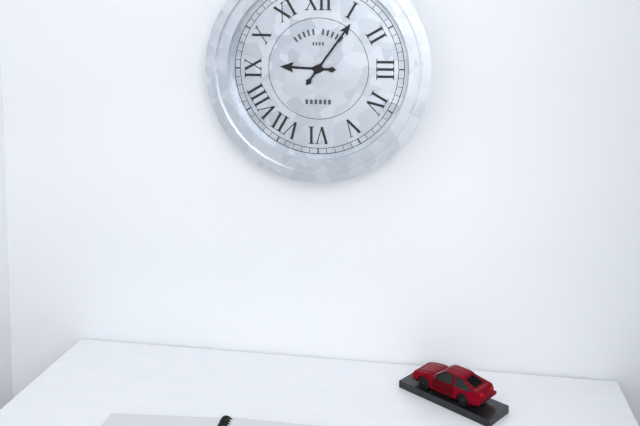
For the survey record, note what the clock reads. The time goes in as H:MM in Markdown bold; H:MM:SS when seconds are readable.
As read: **9:06**
